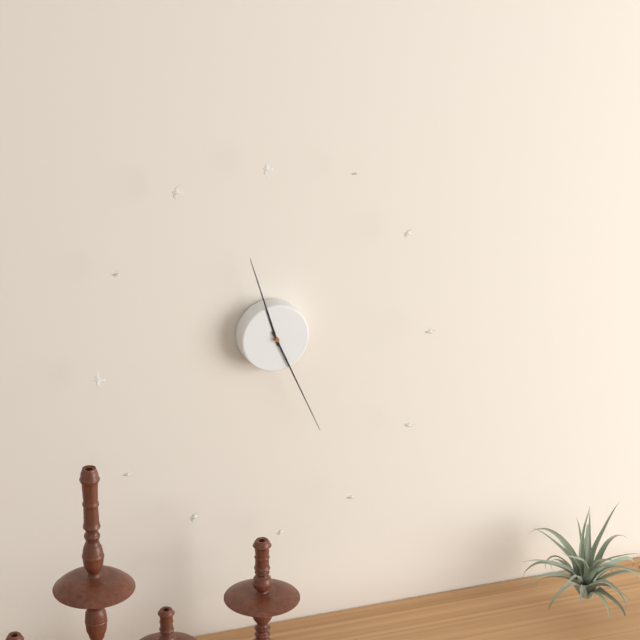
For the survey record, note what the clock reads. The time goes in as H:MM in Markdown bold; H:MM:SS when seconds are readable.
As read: **11:26**
